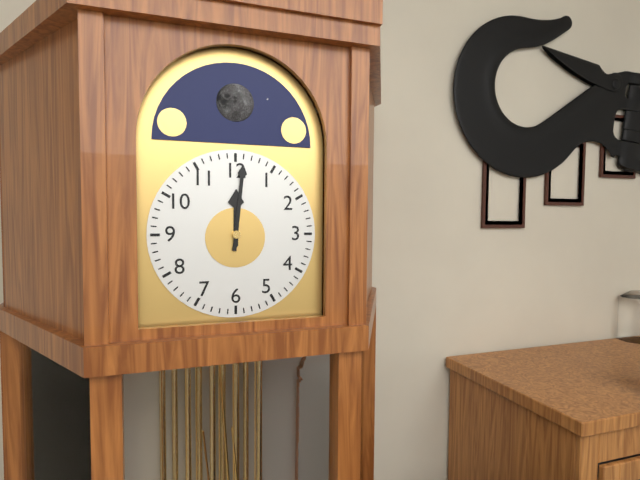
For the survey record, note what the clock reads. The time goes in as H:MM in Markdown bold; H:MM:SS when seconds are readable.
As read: **12:01**
